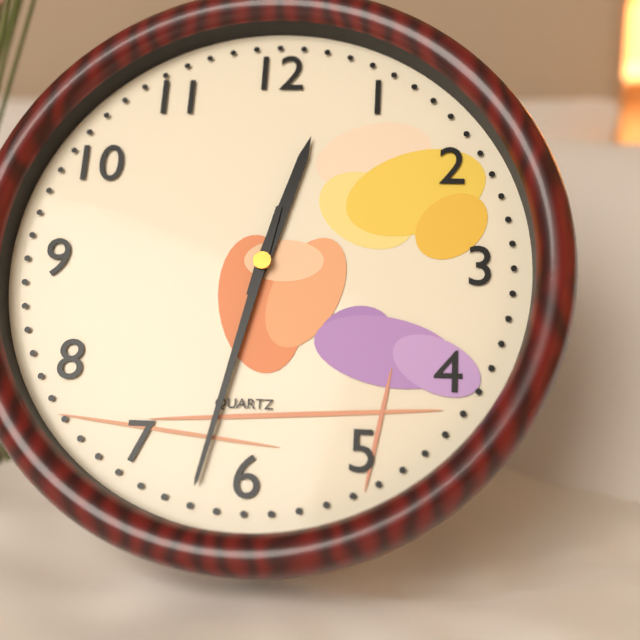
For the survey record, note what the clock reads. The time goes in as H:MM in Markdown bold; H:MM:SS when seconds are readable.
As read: **12:32**
